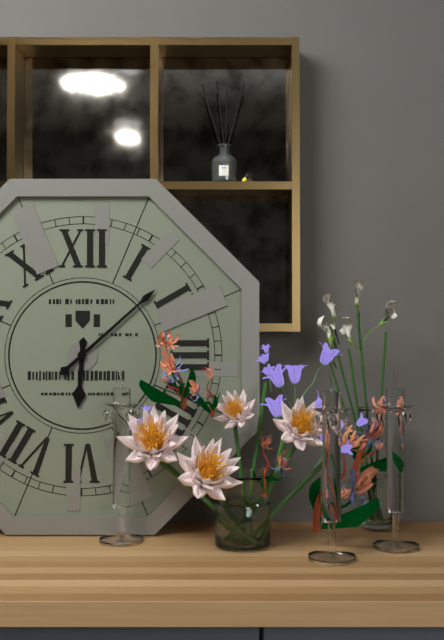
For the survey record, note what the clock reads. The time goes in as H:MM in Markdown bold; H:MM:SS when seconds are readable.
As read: **6:08**
